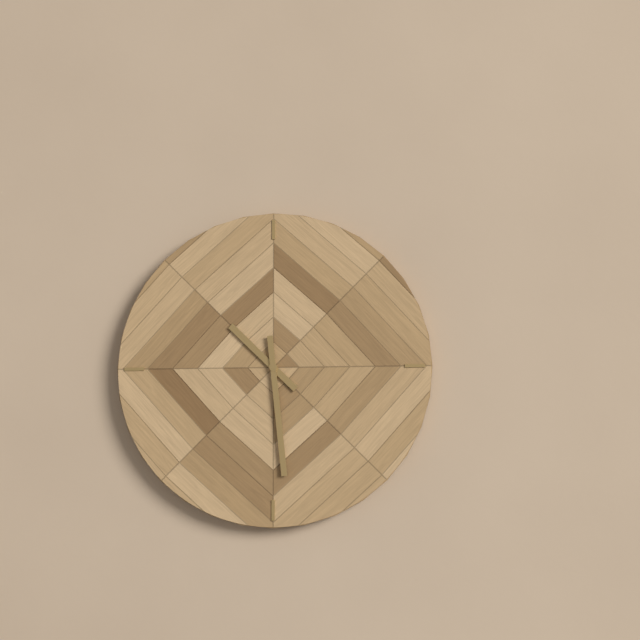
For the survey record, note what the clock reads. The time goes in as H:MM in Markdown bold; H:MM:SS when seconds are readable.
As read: **10:29**
